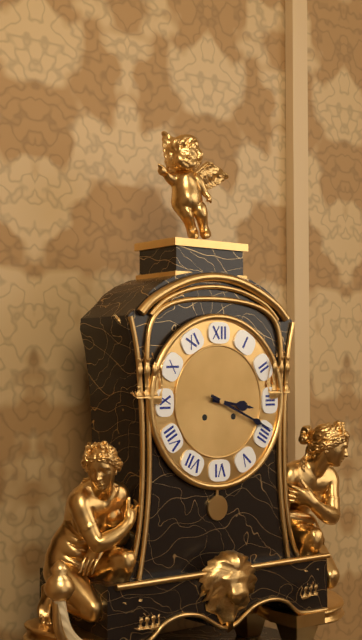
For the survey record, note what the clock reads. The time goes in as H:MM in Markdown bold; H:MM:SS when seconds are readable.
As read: **3:19**
